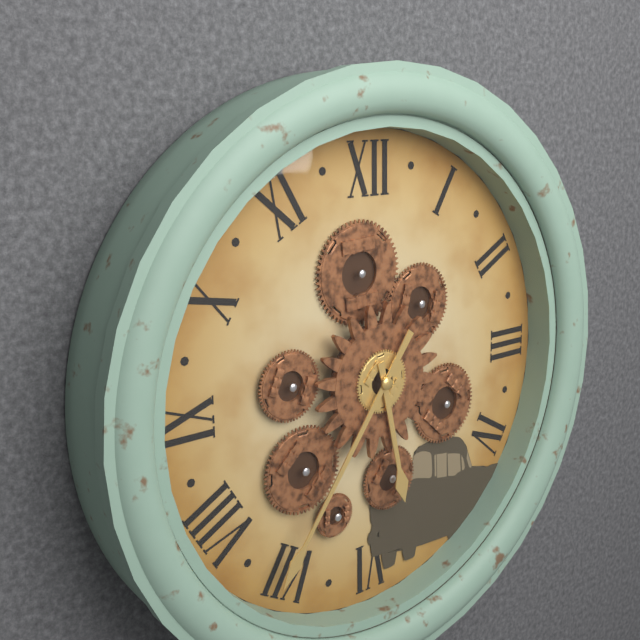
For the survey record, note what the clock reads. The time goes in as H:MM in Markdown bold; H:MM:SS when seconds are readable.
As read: **5:36**
